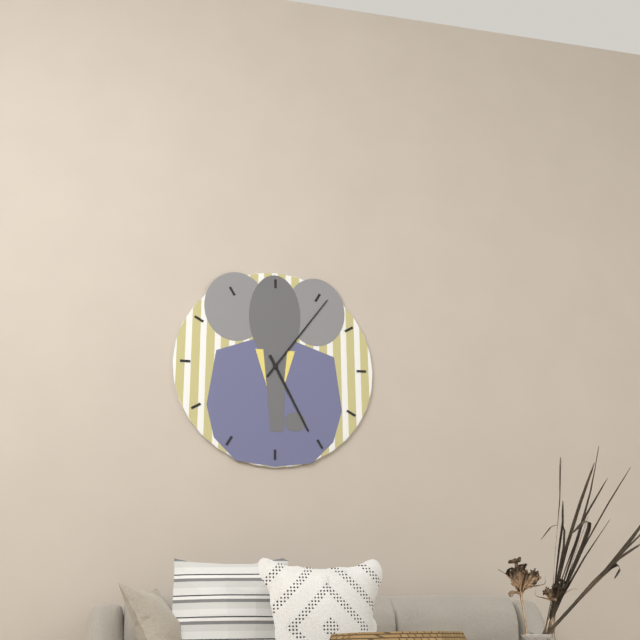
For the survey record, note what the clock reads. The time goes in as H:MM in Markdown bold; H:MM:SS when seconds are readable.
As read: **5:06**
